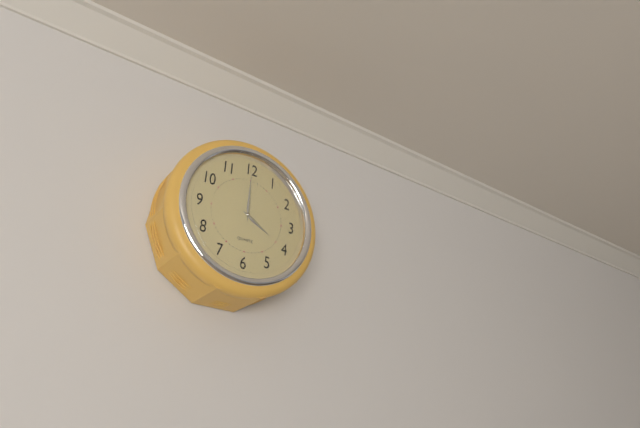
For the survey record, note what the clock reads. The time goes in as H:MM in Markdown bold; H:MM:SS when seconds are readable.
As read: **4:00**
